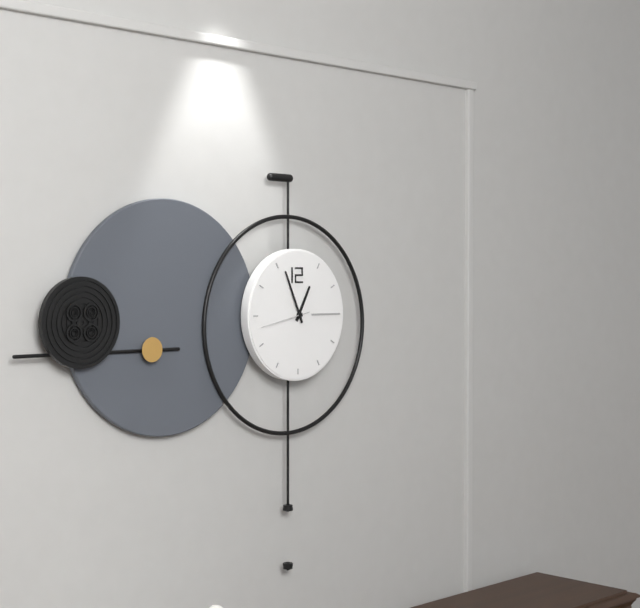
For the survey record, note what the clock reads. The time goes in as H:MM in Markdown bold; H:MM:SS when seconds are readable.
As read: **12:56**
